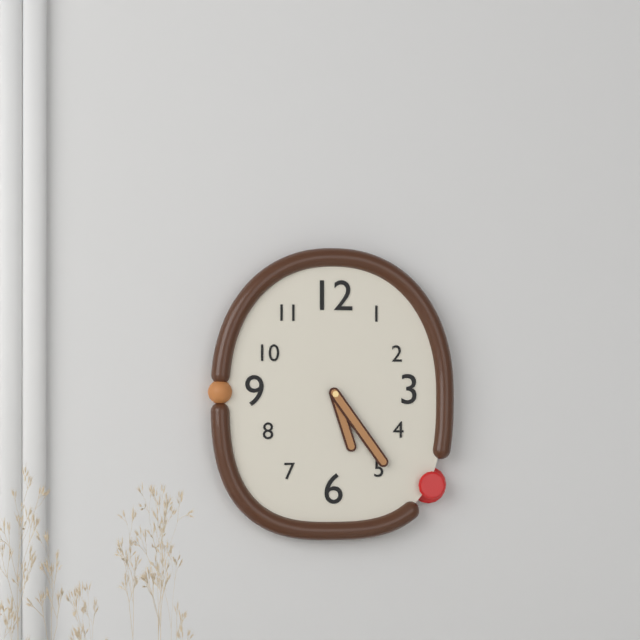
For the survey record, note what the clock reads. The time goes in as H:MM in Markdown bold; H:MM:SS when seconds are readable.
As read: **5:24**
